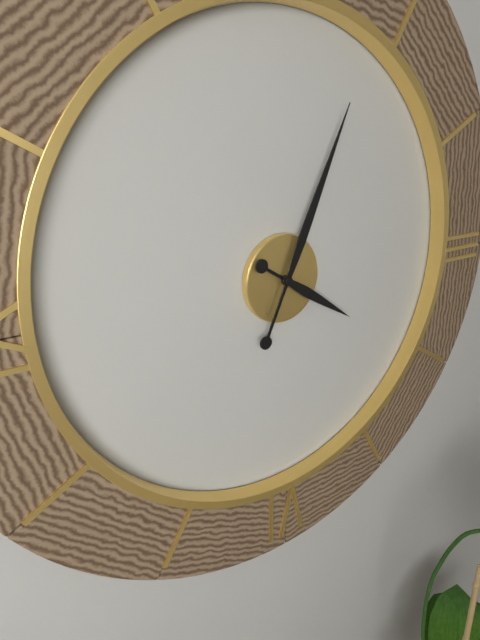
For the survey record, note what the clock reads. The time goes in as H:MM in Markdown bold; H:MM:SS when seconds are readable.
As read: **4:04**
